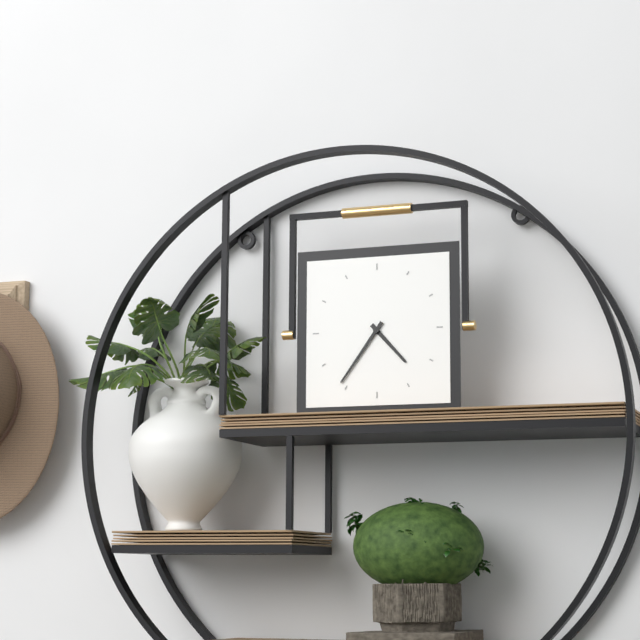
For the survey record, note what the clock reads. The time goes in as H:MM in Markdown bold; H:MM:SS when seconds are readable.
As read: **4:36**
